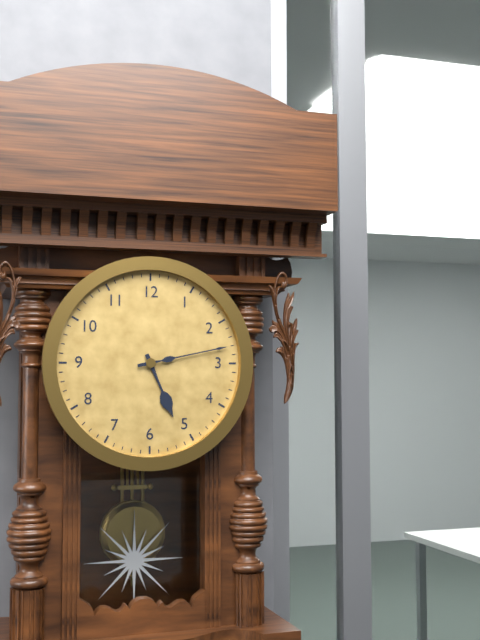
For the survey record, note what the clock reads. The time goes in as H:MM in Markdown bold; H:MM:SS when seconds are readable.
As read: **5:13**
